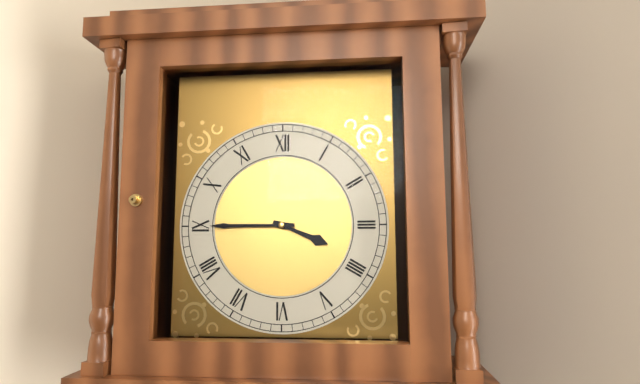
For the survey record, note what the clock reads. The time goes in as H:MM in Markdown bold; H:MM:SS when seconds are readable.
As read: **3:45**
